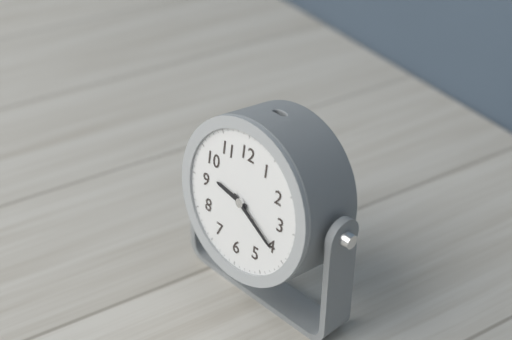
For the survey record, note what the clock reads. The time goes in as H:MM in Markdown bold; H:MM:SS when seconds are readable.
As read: **9:20**
